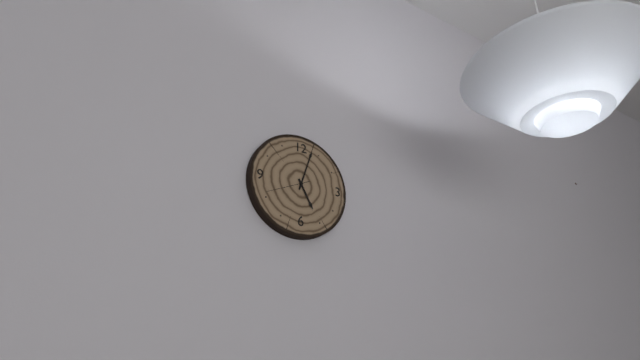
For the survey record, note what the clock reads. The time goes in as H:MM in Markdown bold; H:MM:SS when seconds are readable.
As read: **5:03**
